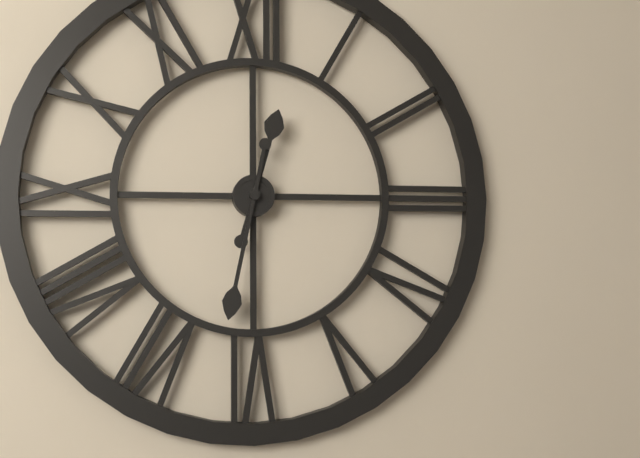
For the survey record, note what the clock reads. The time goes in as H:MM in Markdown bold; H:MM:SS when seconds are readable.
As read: **12:32**
